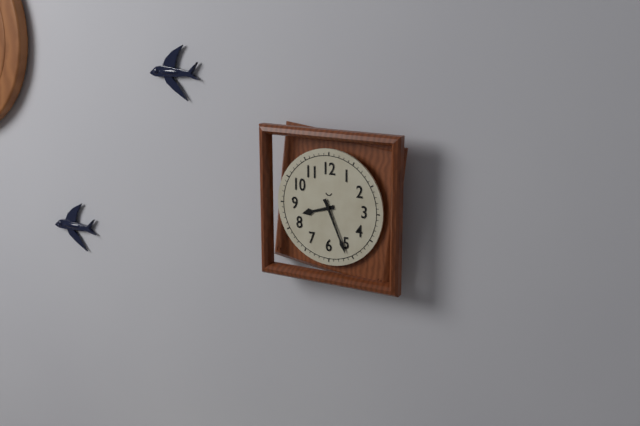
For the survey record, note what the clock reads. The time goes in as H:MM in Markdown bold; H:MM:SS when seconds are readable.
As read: **8:26**
